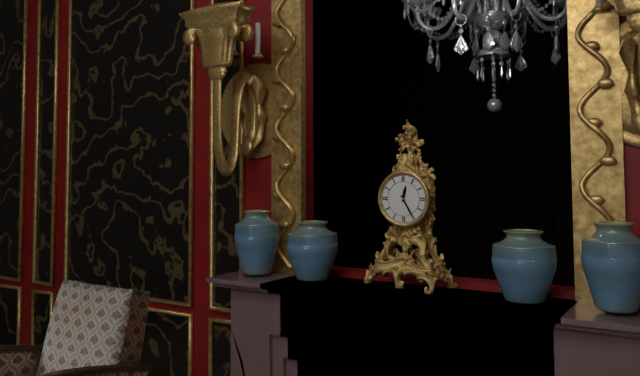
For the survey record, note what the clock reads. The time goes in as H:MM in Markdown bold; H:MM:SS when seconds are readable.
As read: **12:25**
